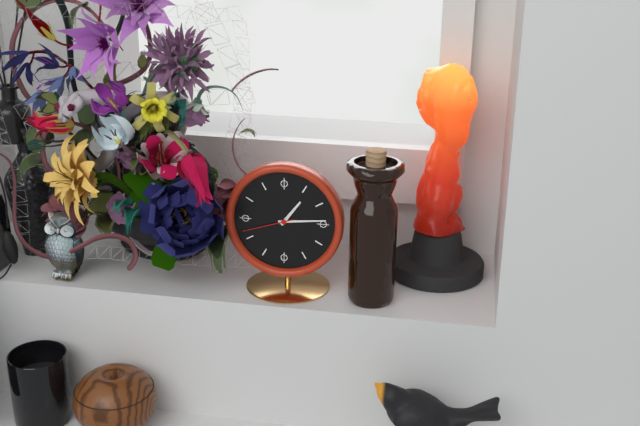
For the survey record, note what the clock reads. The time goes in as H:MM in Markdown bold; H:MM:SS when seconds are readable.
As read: **1:14:42**
